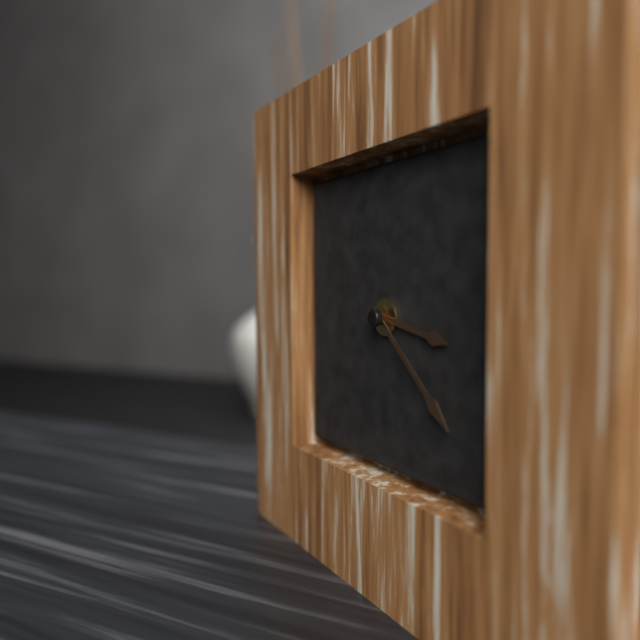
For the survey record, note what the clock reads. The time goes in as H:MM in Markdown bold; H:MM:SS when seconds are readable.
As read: **3:22**
